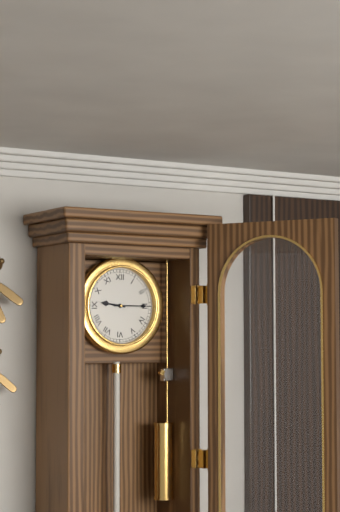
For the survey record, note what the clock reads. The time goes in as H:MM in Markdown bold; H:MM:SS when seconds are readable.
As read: **9:15**
